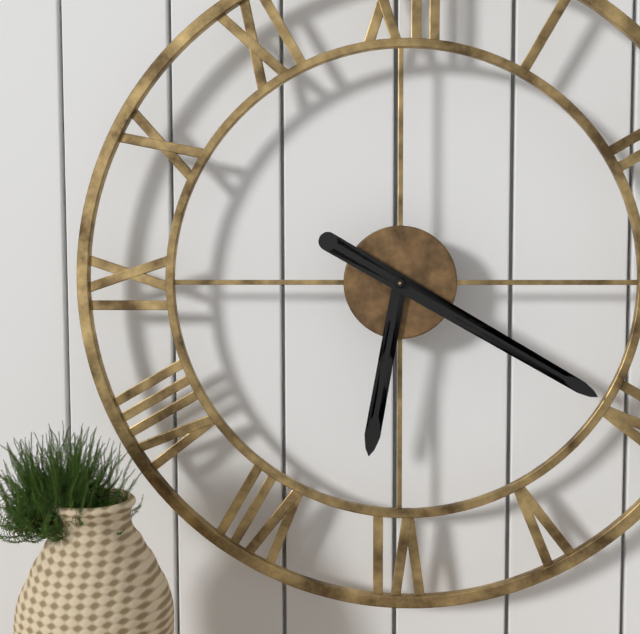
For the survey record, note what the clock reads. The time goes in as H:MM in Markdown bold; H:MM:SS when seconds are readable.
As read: **6:20**
